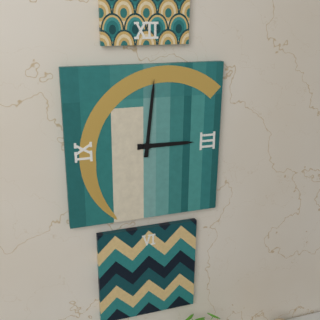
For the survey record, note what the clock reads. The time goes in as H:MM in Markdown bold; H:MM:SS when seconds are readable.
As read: **3:01**
